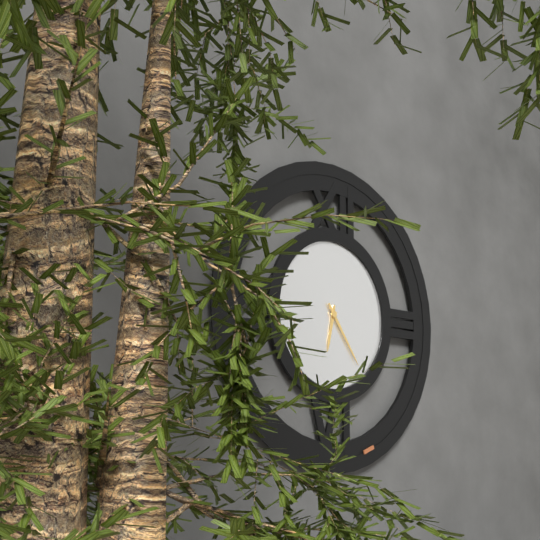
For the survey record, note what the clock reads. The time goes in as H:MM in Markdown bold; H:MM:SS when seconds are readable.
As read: **6:24**
